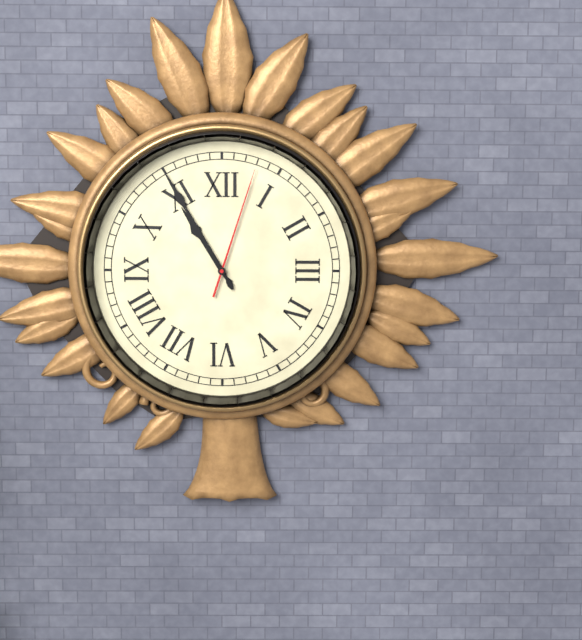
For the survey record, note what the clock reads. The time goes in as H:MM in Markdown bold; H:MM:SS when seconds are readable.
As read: **10:55:03**
